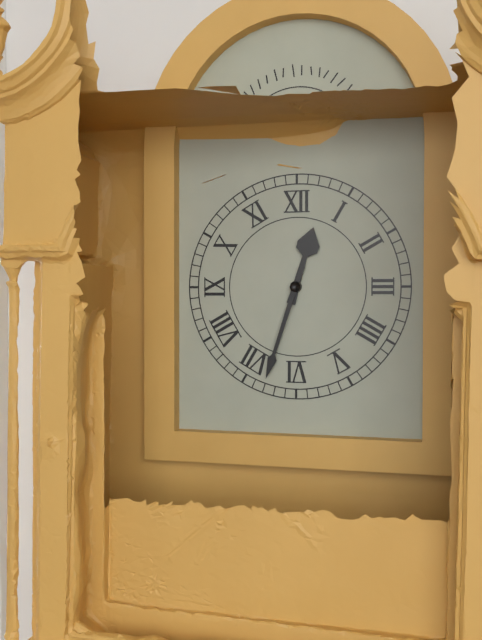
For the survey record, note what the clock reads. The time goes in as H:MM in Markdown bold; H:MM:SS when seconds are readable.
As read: **12:33**
